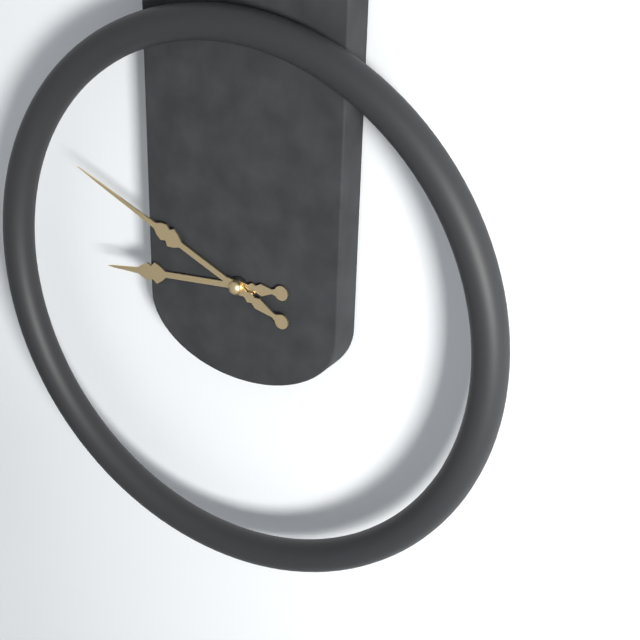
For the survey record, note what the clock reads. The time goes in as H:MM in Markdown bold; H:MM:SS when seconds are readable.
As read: **8:49**
